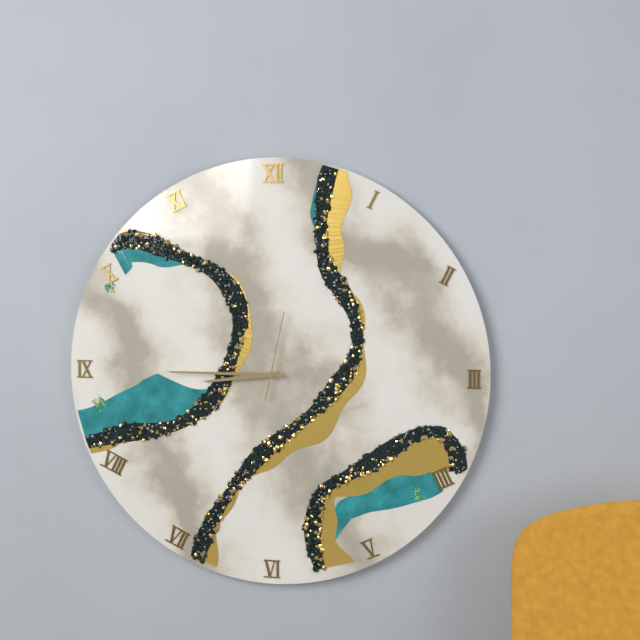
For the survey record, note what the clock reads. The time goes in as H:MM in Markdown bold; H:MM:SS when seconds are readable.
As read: **8:45:02**
